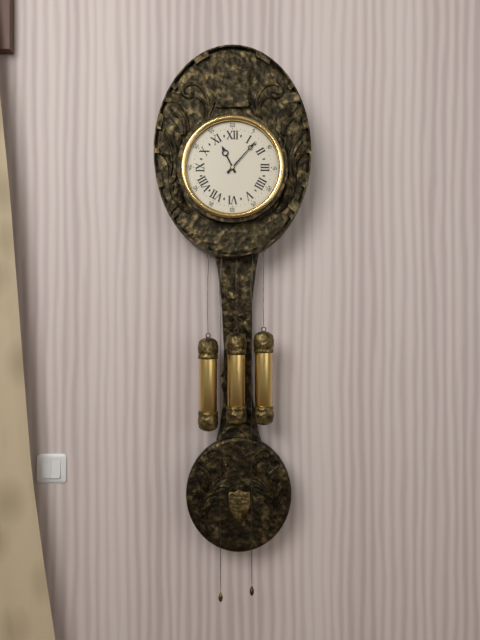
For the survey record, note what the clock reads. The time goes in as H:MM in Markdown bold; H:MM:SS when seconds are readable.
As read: **11:07**
